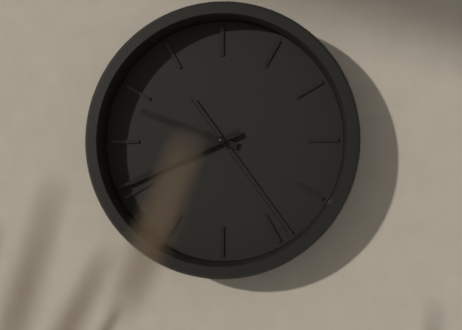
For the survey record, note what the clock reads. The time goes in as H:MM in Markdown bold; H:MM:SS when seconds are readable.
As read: **9:41:24**
